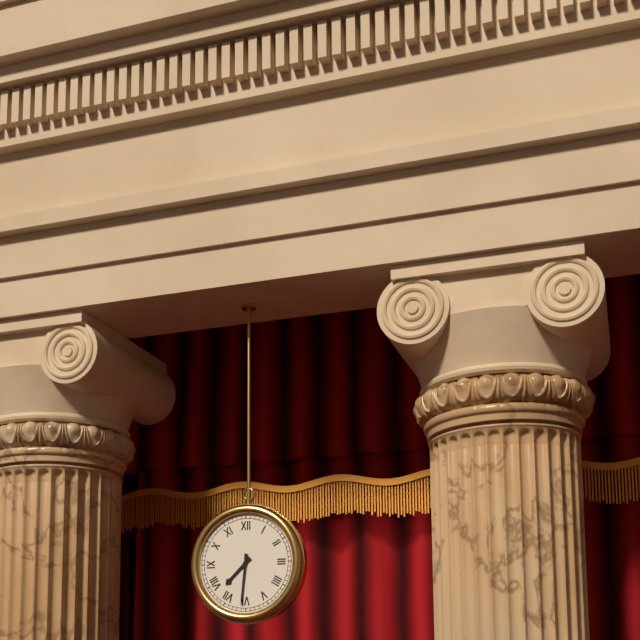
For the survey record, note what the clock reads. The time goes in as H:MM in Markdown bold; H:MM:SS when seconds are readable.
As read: **7:31**
